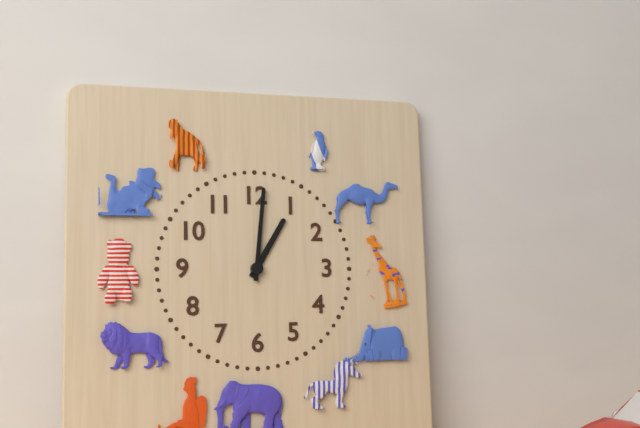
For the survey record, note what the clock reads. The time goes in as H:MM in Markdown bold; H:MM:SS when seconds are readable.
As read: **1:01**
